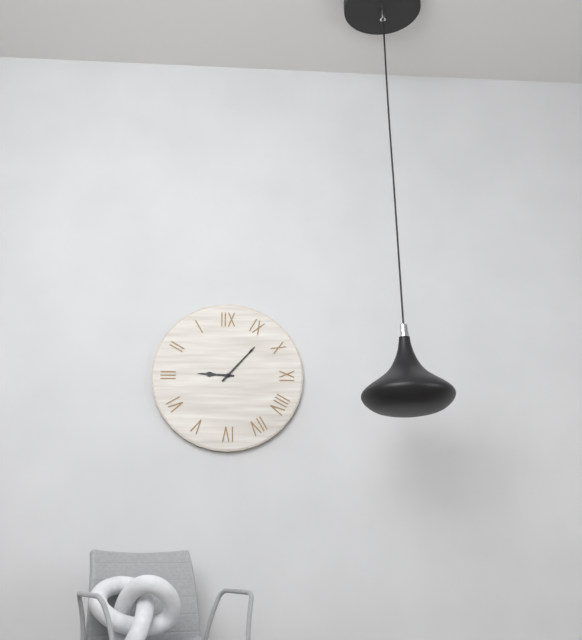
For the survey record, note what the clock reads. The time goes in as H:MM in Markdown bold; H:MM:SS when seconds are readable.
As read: **9:07**
